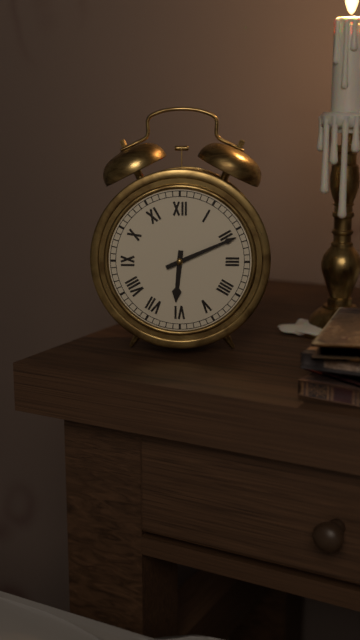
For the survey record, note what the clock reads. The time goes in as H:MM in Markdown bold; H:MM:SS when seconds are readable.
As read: **6:11**
